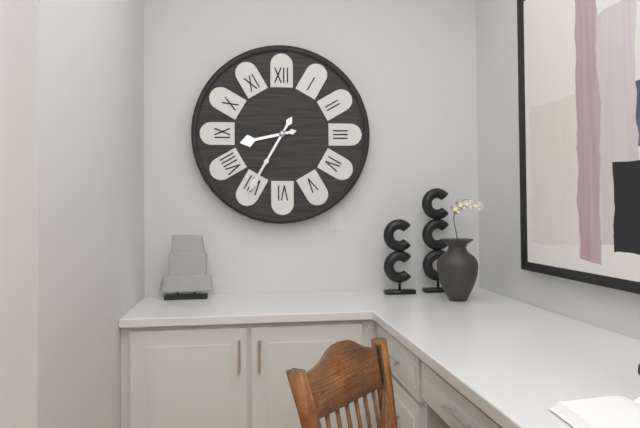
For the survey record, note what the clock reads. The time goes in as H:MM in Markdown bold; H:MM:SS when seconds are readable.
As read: **8:35**
